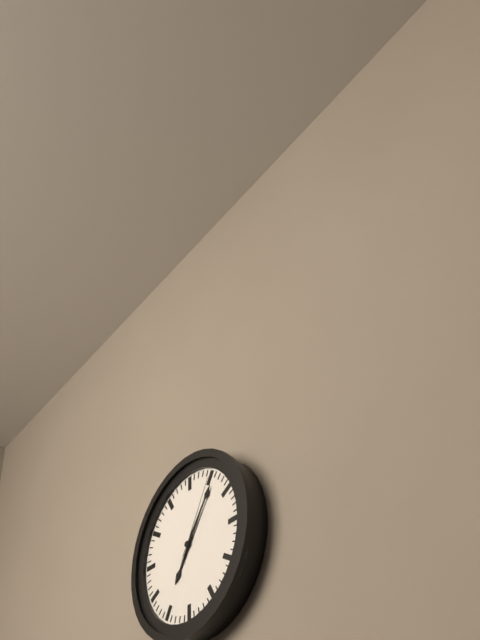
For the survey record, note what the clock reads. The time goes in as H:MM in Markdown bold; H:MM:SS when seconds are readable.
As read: **7:06:05**
